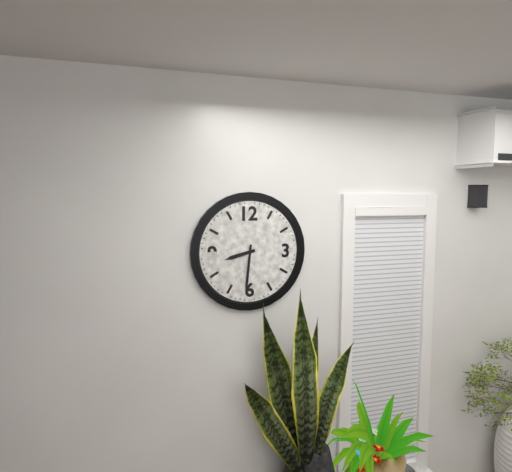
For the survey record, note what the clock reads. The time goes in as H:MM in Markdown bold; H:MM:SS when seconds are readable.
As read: **8:31**
